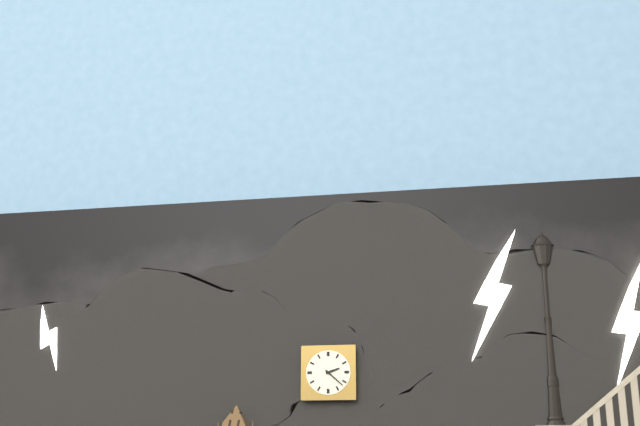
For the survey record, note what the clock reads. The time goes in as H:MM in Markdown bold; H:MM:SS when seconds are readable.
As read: **2:22**
